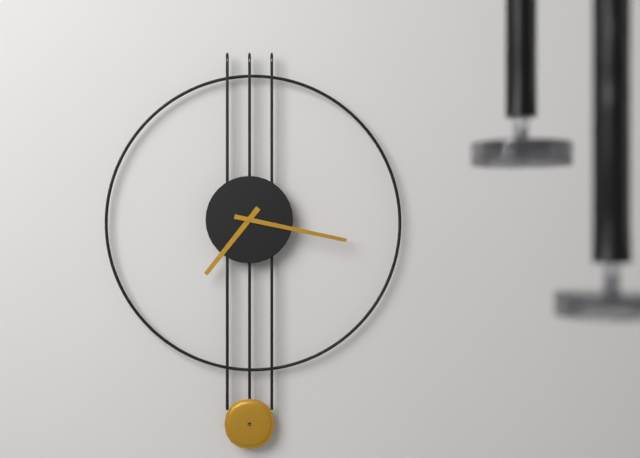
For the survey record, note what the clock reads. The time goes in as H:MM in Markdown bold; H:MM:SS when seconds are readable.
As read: **7:17**
